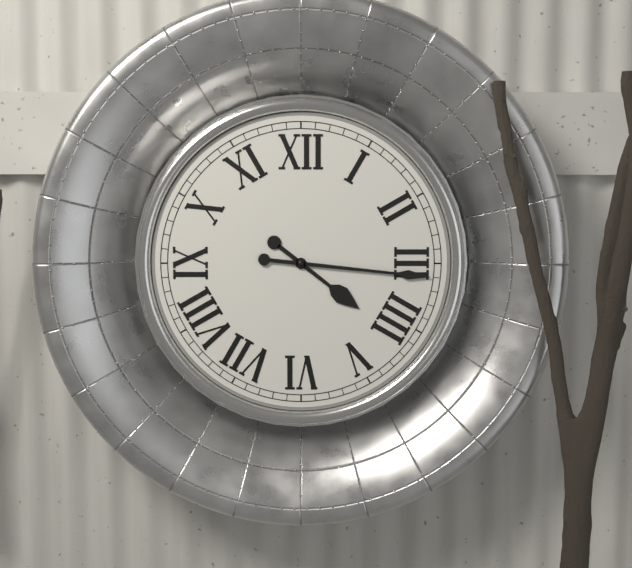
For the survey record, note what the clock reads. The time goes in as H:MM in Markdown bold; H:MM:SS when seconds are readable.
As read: **4:16**
